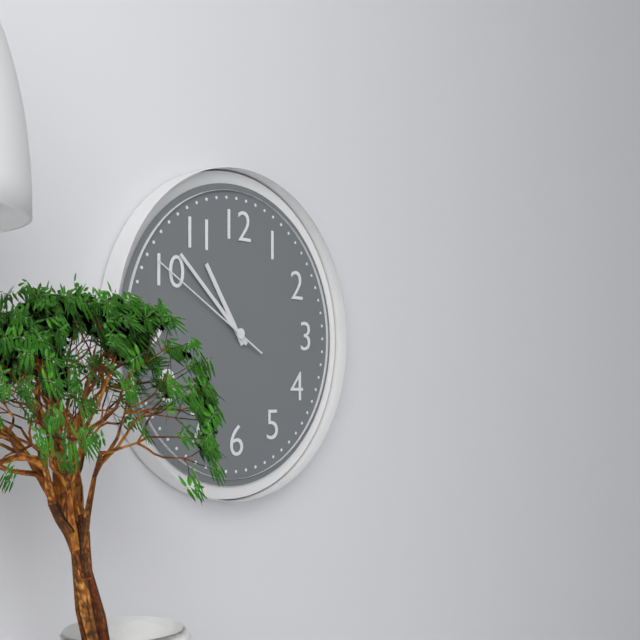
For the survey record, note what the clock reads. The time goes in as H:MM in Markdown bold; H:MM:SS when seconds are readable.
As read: **10:52:50**
